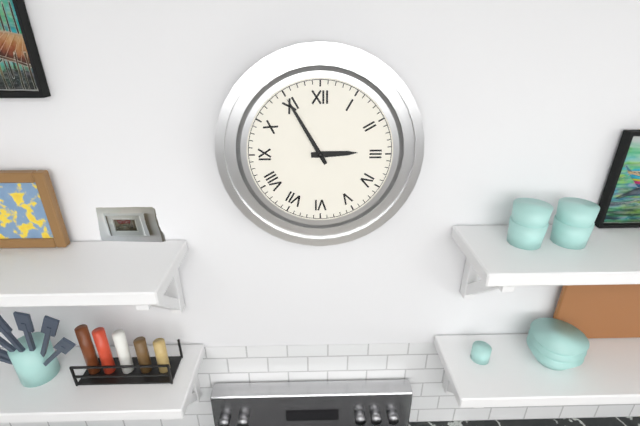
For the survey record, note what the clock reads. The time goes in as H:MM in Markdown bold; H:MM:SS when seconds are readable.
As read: **2:55**
